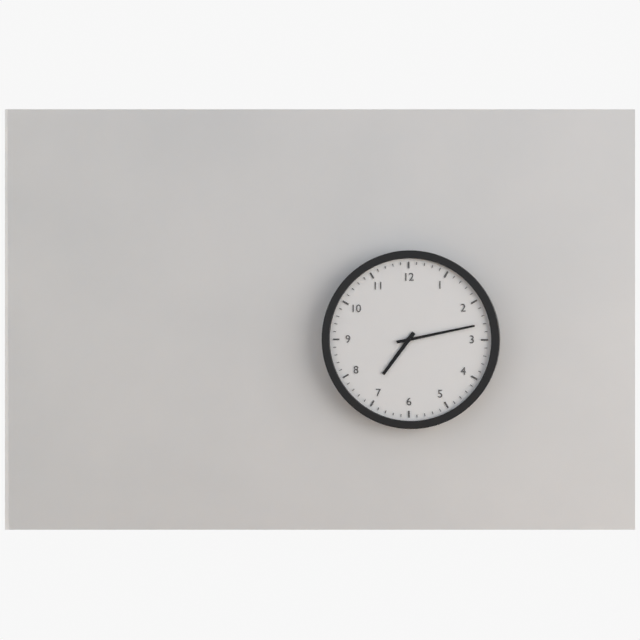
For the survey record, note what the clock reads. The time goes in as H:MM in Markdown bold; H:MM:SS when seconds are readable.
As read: **7:13**
